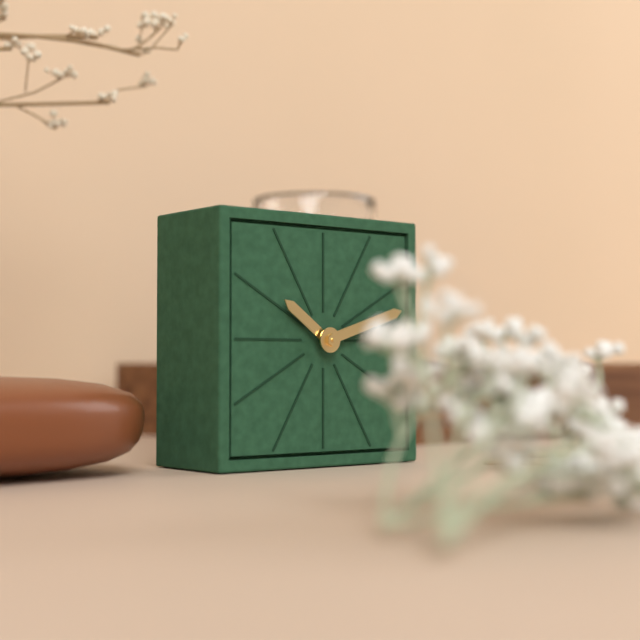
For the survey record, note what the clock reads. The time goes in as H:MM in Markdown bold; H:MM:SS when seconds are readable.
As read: **10:12**
